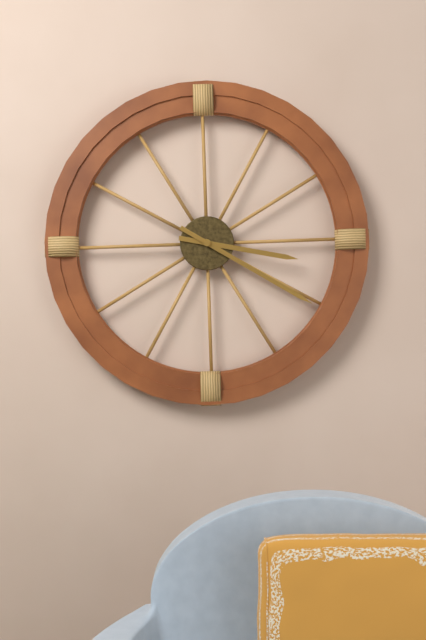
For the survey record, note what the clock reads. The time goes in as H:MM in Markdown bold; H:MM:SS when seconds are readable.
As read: **3:20**
